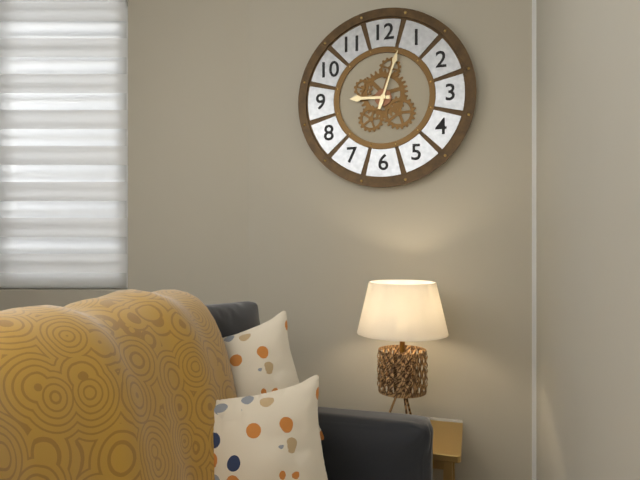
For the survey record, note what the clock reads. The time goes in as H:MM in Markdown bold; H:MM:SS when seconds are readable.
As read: **9:03**
